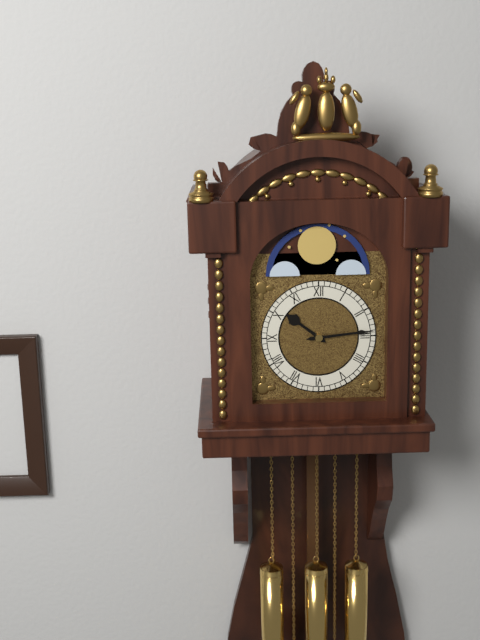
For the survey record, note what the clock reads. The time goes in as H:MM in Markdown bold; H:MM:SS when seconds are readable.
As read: **10:14**
